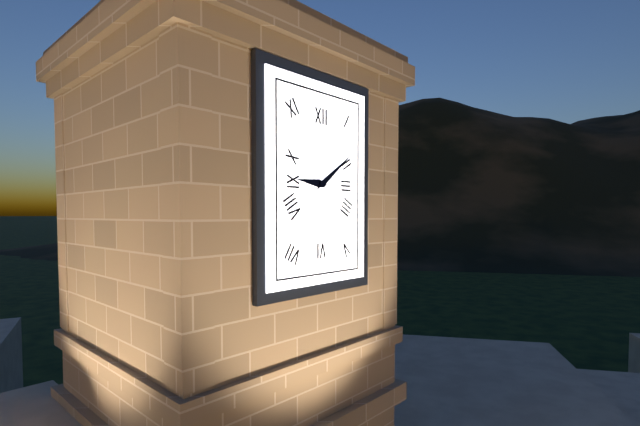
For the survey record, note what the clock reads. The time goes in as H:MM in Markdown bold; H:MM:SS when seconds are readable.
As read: **9:09**
